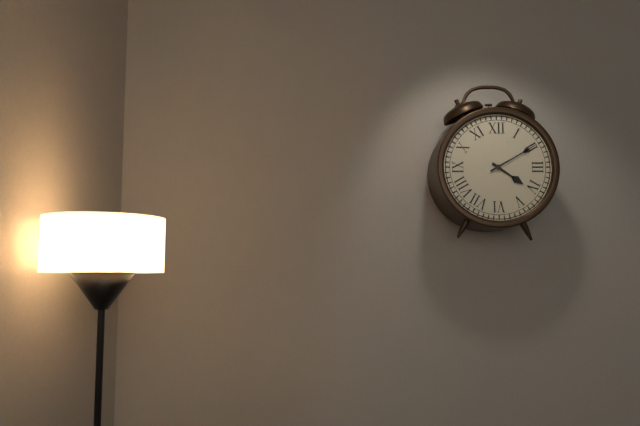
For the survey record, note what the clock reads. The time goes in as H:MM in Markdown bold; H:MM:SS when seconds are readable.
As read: **4:10**
